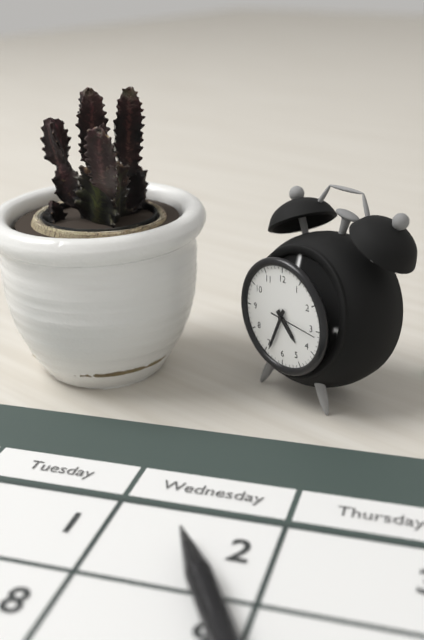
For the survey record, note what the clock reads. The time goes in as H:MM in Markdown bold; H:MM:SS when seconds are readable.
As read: **4:34**
